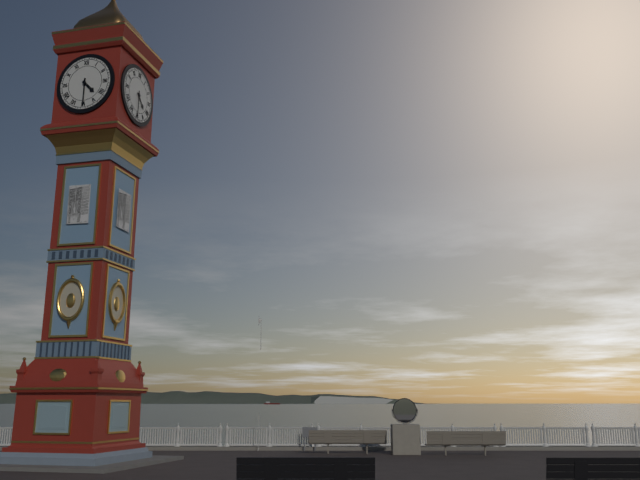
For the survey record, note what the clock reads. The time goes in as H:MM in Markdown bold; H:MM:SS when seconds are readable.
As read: **4:30**
